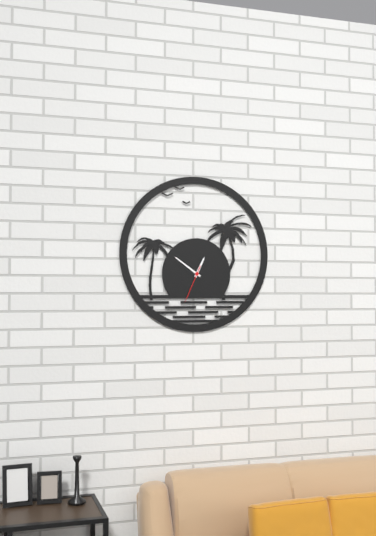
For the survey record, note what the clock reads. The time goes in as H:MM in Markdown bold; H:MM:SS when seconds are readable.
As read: **12:51**
